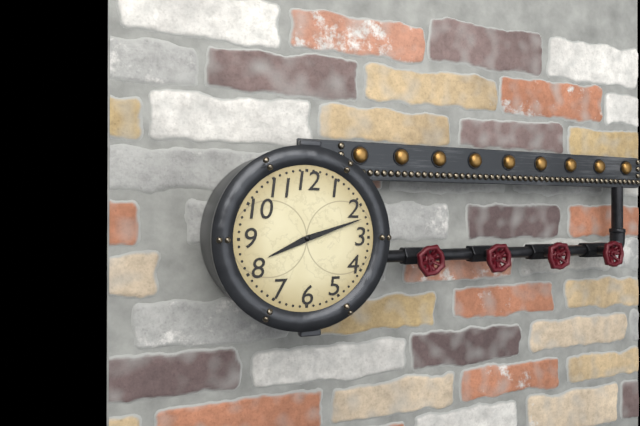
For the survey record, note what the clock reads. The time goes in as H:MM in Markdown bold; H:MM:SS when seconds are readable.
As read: **8:12**
